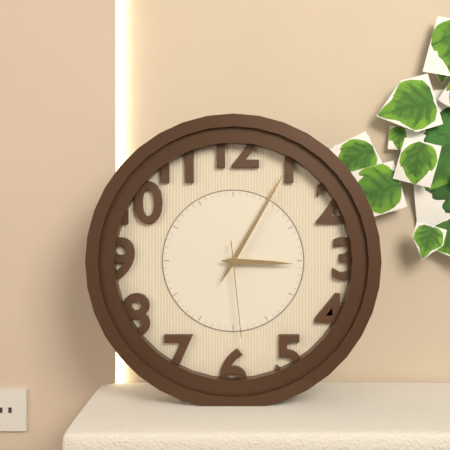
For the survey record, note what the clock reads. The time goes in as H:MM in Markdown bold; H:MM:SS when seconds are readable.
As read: **3:05:29**
